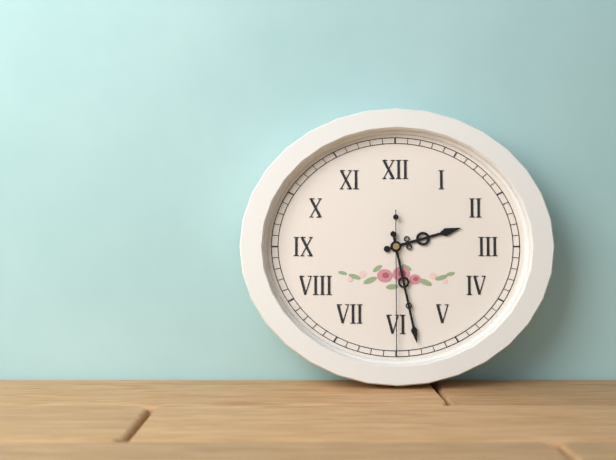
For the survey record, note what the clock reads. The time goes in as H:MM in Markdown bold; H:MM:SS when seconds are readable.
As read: **2:28:30**
